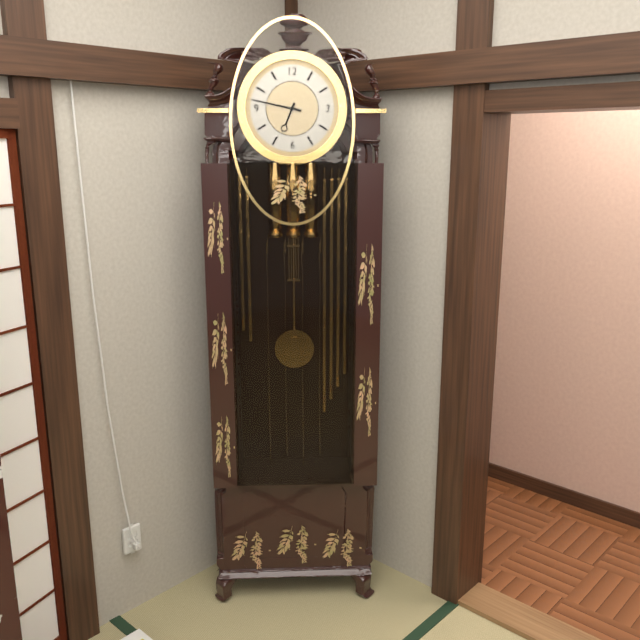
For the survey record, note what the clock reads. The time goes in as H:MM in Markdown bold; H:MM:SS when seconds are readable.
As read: **6:47**
